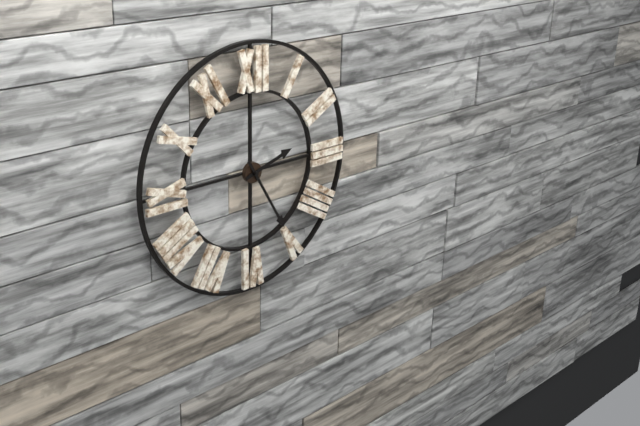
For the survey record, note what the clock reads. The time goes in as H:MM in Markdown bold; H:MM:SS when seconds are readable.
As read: **2:25**
